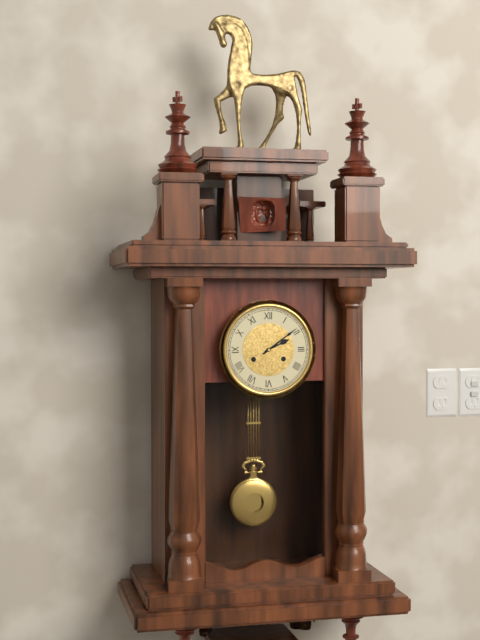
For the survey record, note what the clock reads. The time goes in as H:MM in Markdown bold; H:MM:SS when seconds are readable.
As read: **2:09**
